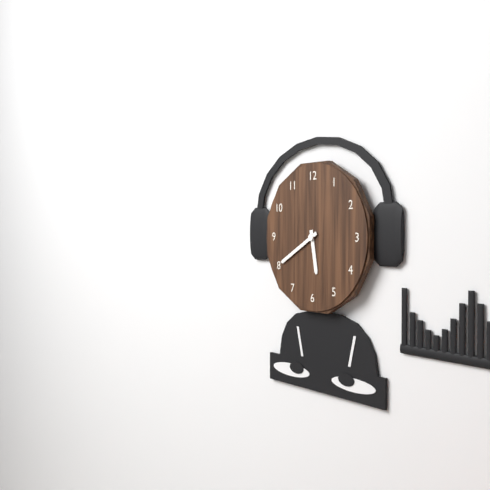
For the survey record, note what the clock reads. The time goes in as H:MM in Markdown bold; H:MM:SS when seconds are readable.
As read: **5:40**
